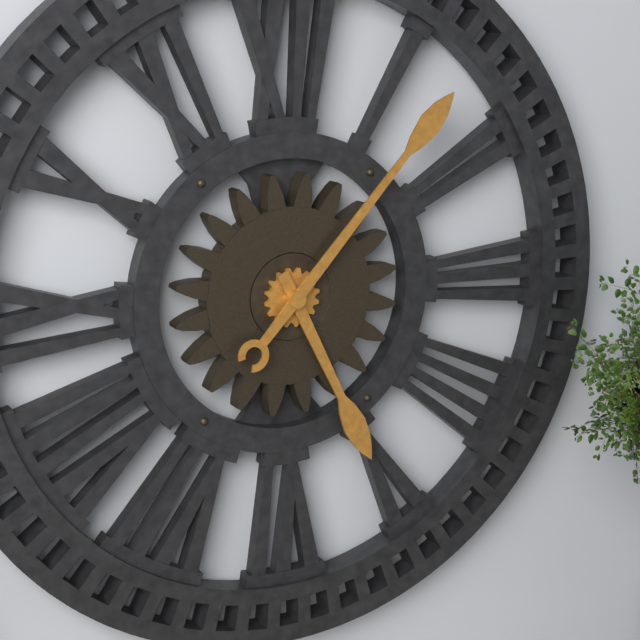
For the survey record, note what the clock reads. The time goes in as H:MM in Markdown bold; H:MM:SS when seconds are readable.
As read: **5:07**
